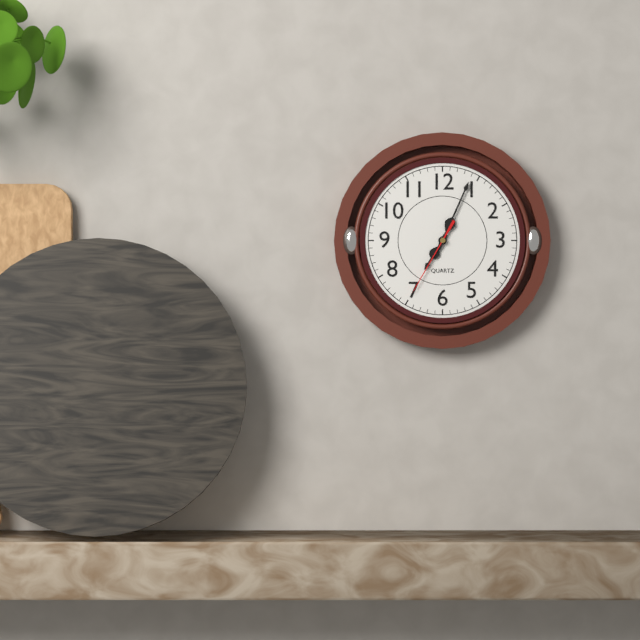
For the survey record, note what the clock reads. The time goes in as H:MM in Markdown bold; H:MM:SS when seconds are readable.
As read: **7:04:35**
